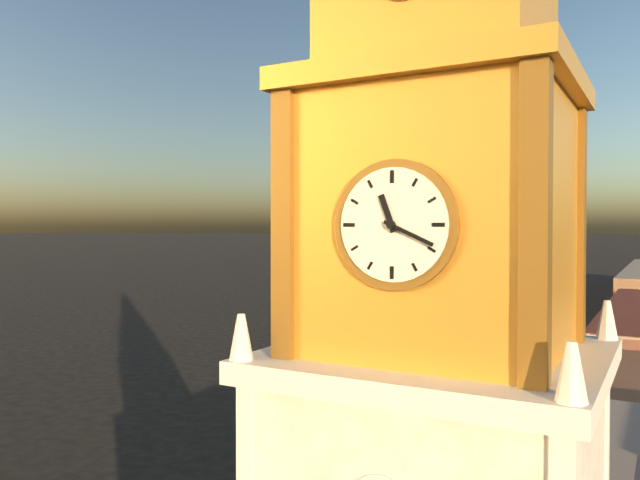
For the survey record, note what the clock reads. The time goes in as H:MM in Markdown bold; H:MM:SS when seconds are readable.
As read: **11:19**
